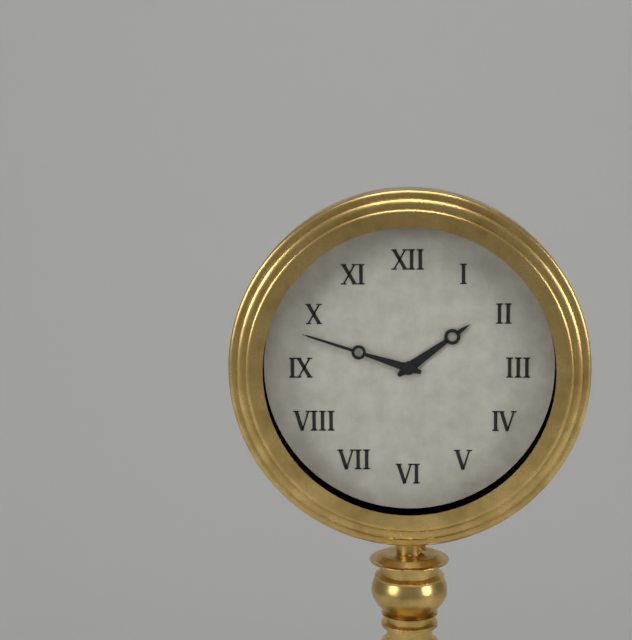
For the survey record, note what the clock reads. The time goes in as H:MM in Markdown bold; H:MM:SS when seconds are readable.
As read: **1:48**
